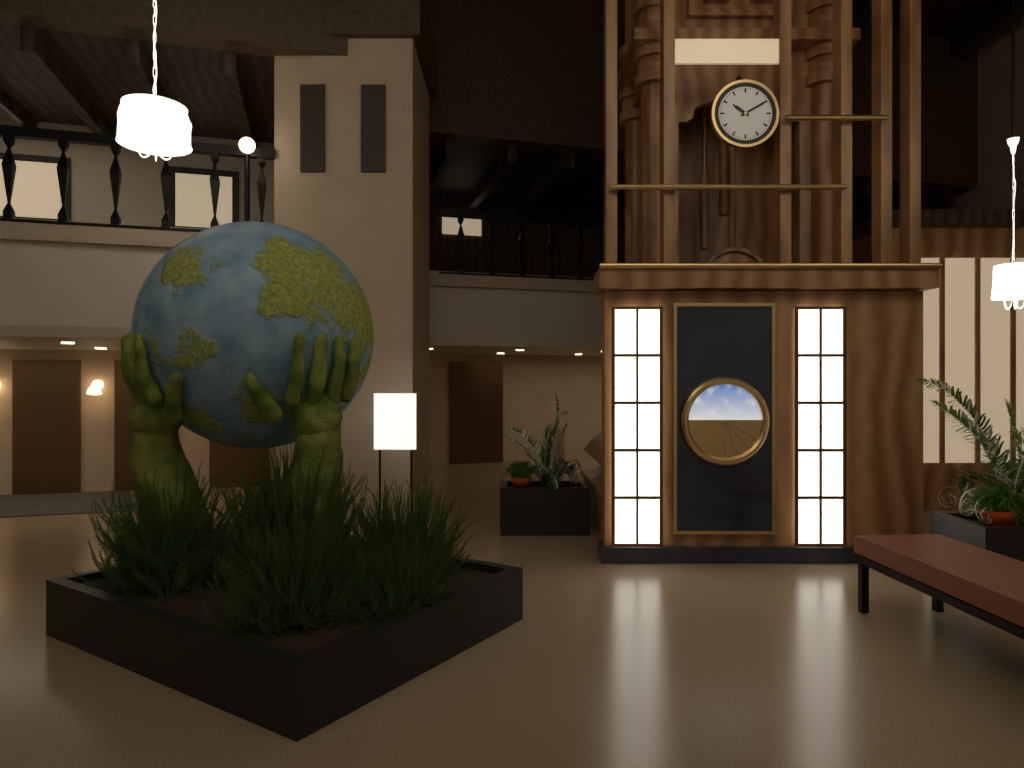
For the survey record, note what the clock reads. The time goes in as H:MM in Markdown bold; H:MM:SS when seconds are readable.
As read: **10:10**
